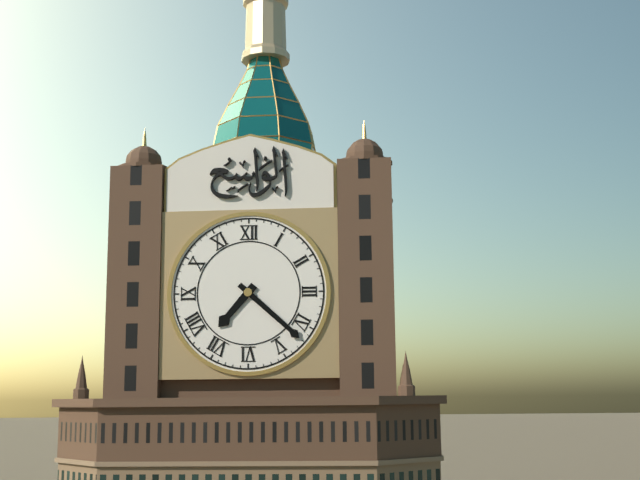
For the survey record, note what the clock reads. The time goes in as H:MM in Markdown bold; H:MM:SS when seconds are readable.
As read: **7:22**
